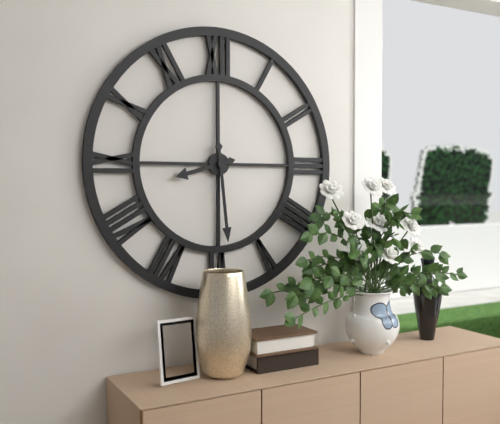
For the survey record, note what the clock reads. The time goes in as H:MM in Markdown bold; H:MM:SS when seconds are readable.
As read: **8:29**
